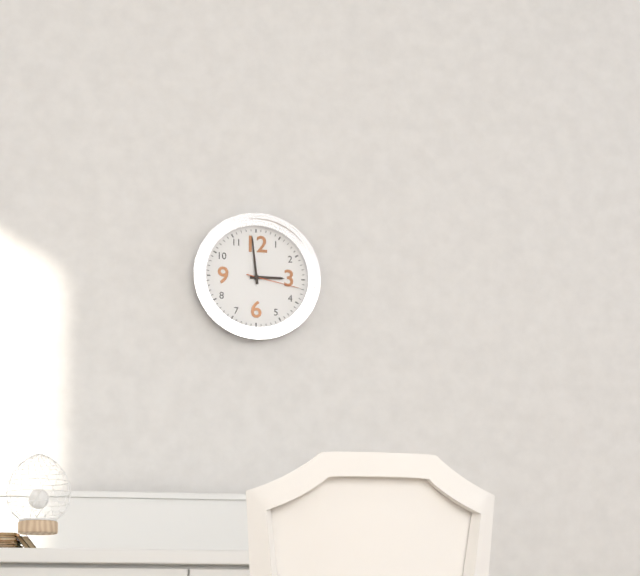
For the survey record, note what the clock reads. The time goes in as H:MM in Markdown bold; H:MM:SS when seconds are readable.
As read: **2:59:17**
